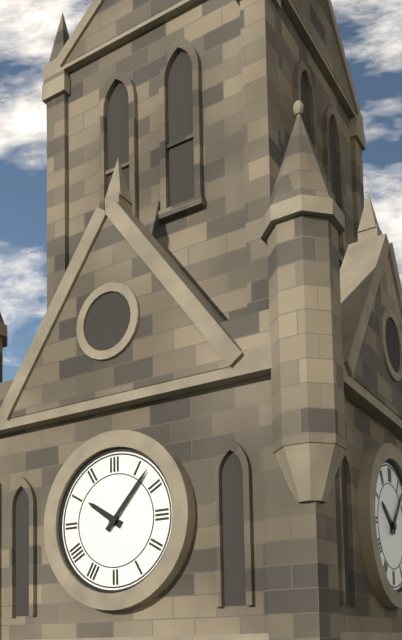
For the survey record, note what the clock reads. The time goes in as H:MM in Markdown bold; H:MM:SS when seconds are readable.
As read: **10:07**
